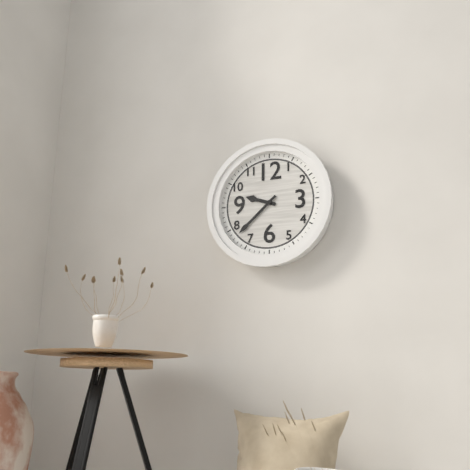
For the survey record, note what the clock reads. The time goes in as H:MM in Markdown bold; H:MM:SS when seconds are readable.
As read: **9:38**
